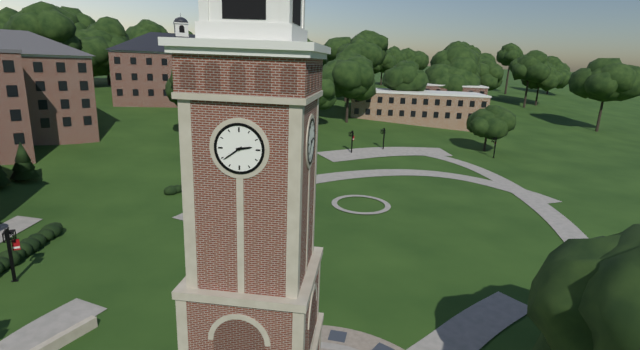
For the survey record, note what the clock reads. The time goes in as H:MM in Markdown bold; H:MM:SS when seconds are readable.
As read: **2:39**
